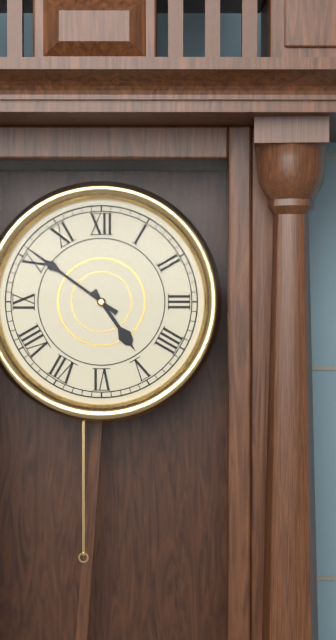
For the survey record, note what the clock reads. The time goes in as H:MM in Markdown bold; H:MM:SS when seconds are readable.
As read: **4:51**
